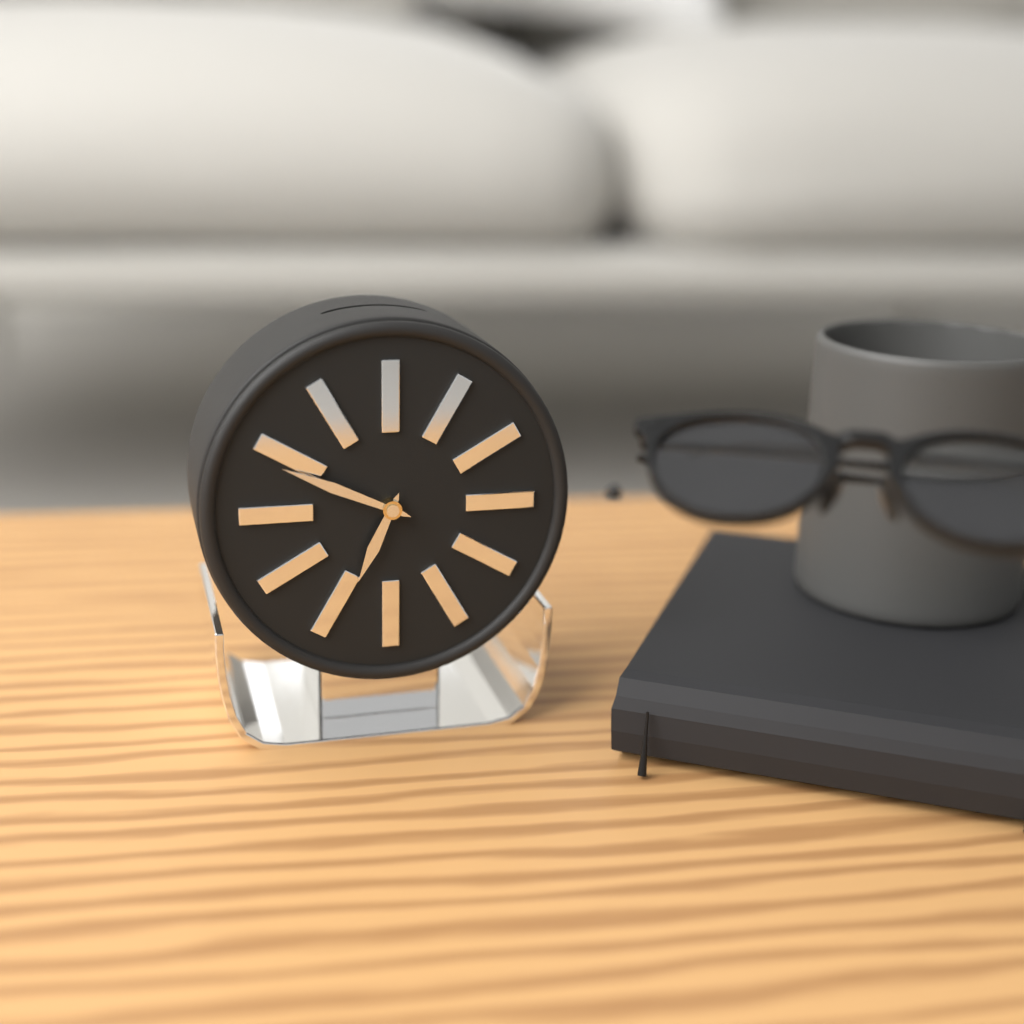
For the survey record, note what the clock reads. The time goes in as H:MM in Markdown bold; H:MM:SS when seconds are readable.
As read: **6:49**
